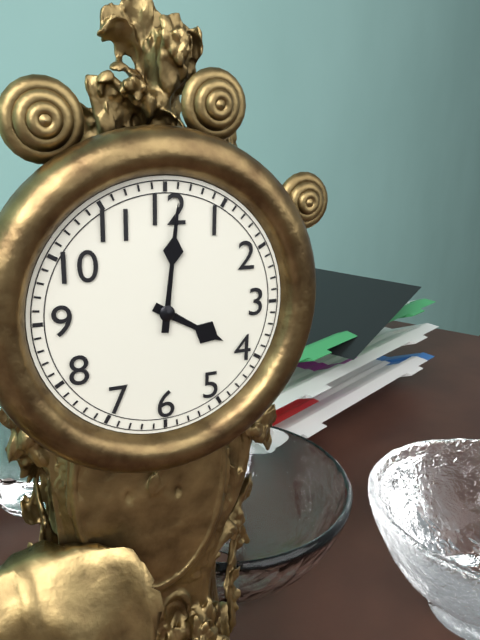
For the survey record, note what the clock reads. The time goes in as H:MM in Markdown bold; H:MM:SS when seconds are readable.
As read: **4:01**
